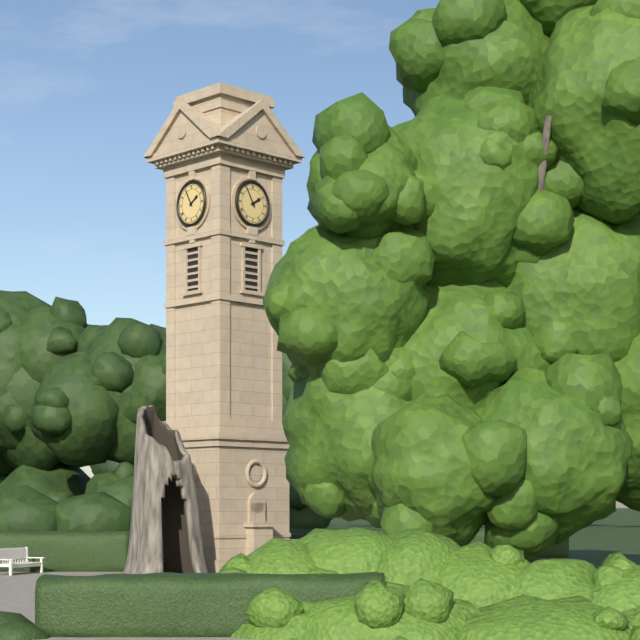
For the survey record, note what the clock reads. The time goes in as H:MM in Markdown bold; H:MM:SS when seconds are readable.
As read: **1:55**
